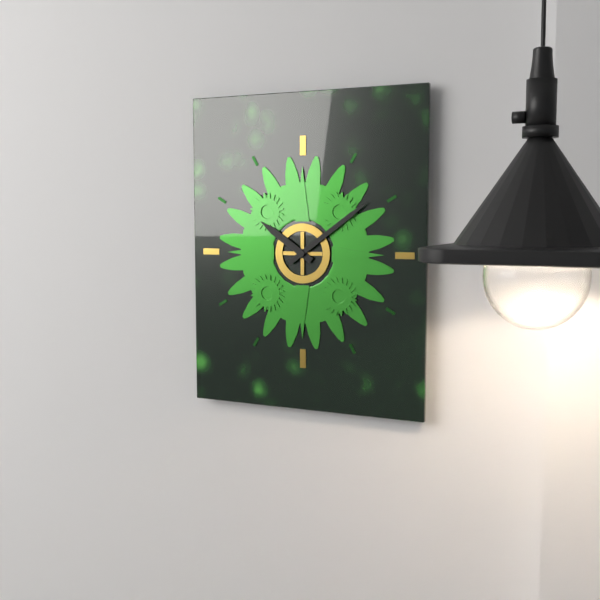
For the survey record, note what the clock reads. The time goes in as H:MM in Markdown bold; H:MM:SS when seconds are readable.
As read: **10:09**
